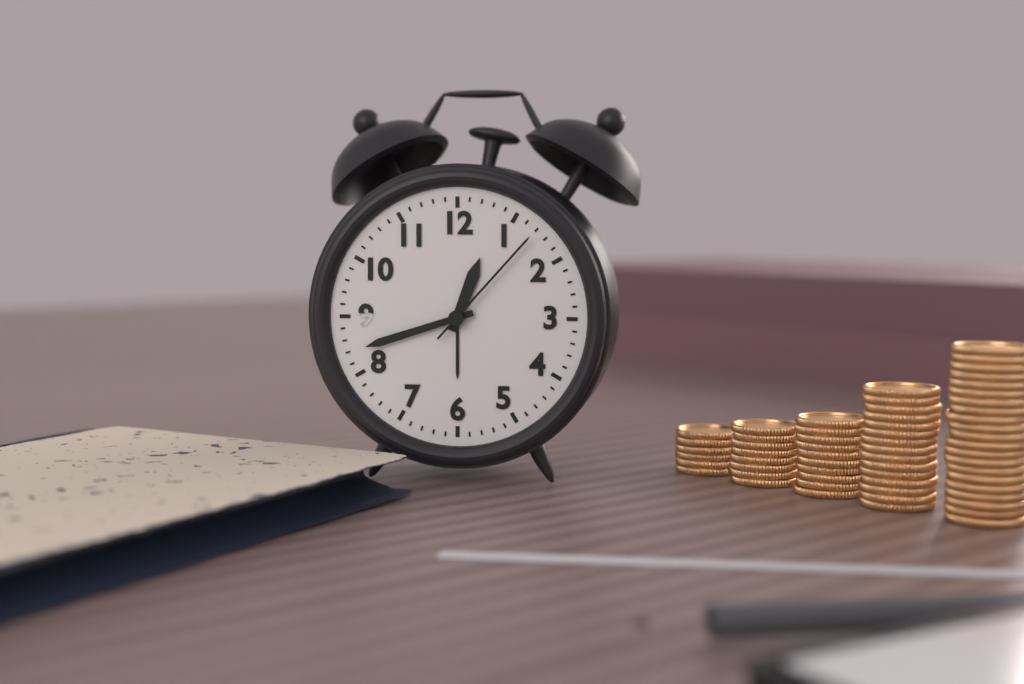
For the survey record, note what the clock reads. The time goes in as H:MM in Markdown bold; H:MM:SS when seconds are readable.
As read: **12:42:07**
